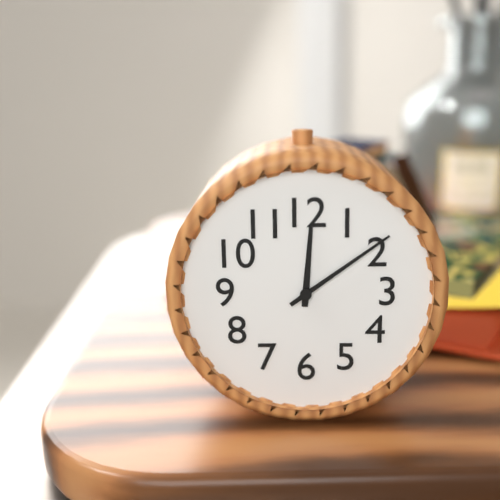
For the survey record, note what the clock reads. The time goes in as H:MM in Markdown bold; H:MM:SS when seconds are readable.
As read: **12:09**
